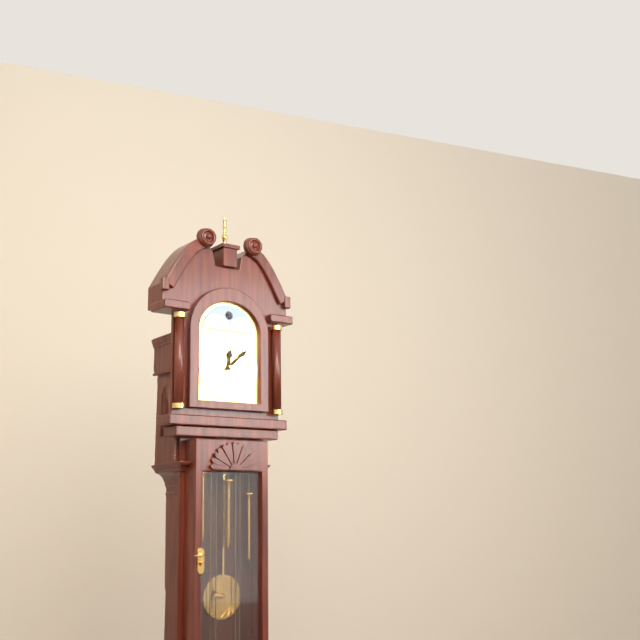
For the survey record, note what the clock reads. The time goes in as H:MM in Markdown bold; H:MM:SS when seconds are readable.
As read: **12:08**
